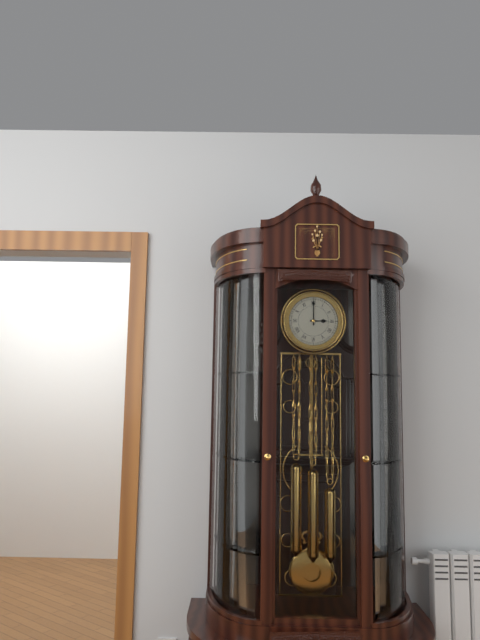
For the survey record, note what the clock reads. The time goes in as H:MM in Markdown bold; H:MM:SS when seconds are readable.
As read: **3:00**
